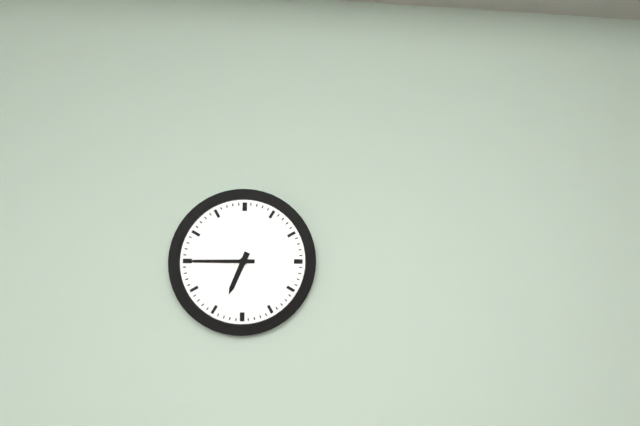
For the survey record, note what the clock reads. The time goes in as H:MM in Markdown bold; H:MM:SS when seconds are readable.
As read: **6:45**
